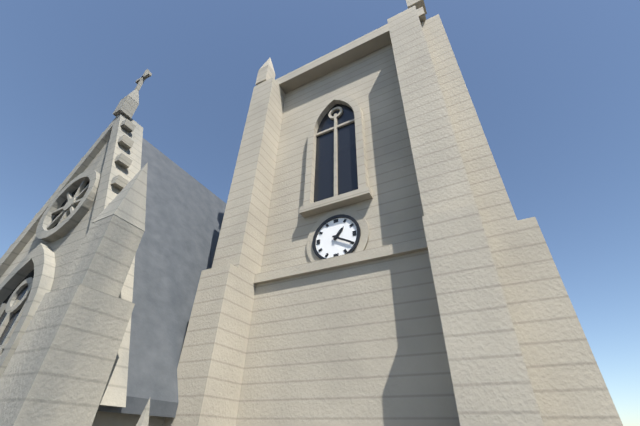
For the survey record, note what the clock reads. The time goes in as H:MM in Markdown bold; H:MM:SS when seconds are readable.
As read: **1:20**
